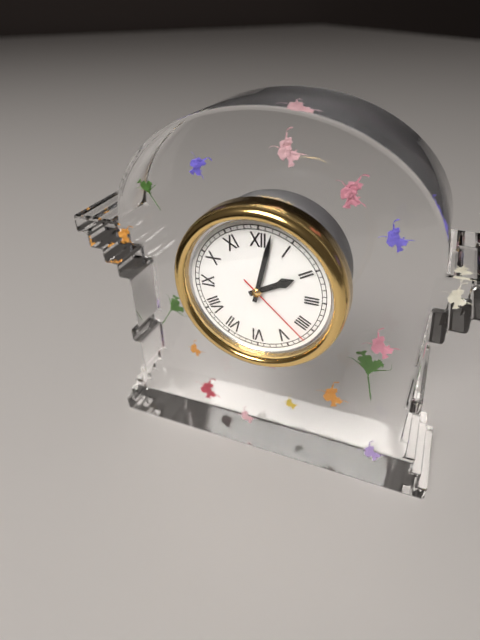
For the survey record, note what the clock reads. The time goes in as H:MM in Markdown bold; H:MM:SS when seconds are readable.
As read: **2:02:22**
